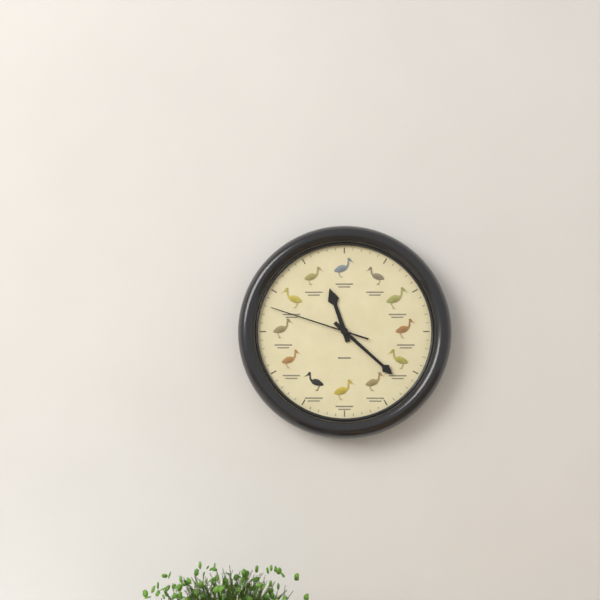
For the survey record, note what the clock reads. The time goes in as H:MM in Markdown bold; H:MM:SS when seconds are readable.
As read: **11:22:48**
